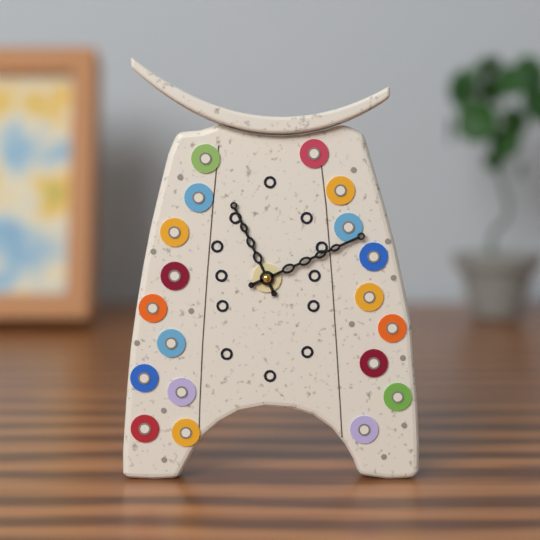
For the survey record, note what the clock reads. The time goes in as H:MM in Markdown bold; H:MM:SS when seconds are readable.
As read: **11:11**
